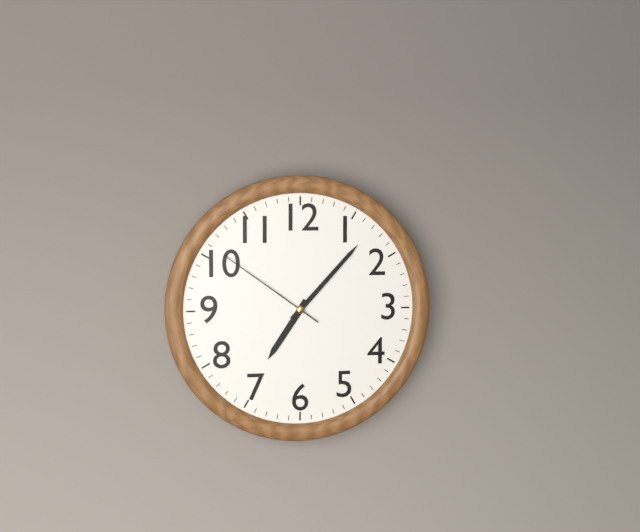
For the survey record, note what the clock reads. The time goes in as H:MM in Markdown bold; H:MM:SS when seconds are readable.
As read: **7:07:51**
